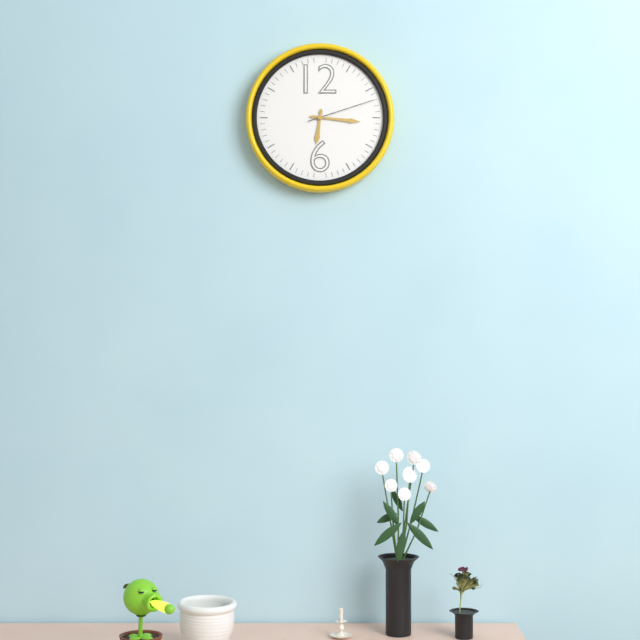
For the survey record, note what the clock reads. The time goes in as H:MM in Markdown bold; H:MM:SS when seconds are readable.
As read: **6:16:12**
